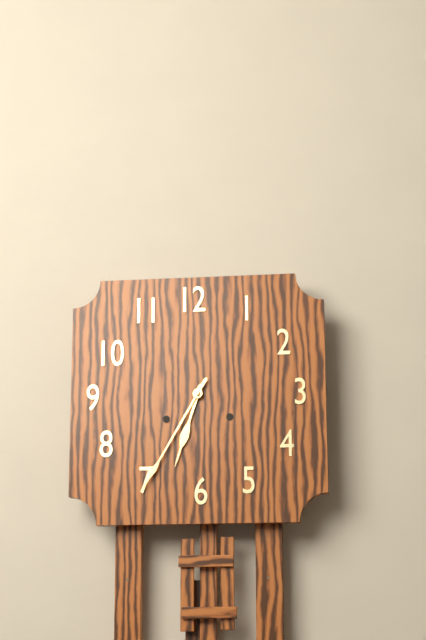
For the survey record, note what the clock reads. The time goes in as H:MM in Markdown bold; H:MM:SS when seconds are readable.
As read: **6:35**
